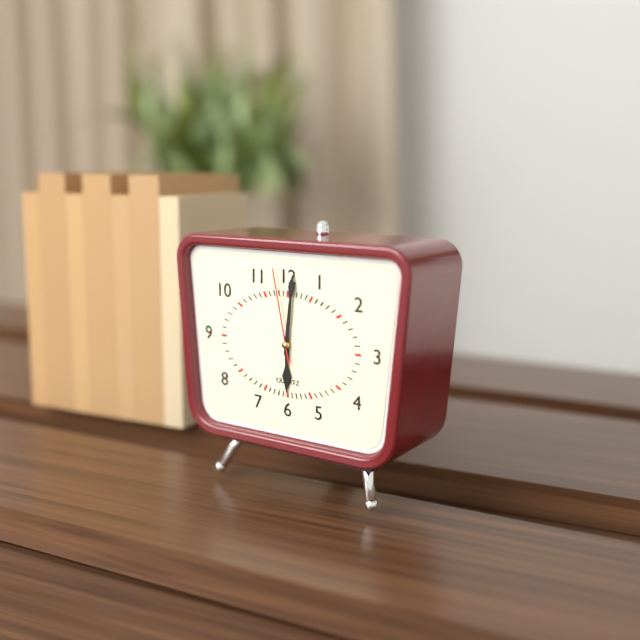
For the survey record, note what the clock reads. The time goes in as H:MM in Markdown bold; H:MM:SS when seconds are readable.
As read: **6:01:58**
